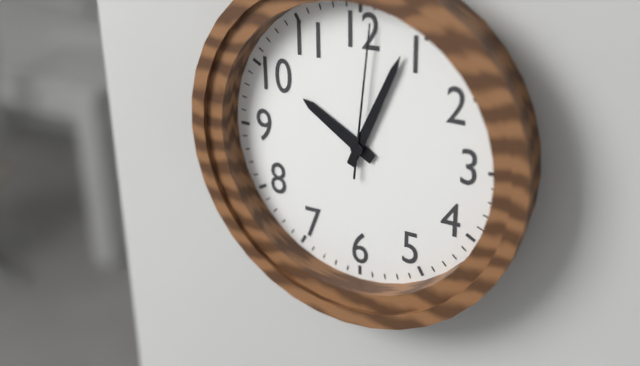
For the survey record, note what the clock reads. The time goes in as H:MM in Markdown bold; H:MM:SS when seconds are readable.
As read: **10:04:01**
